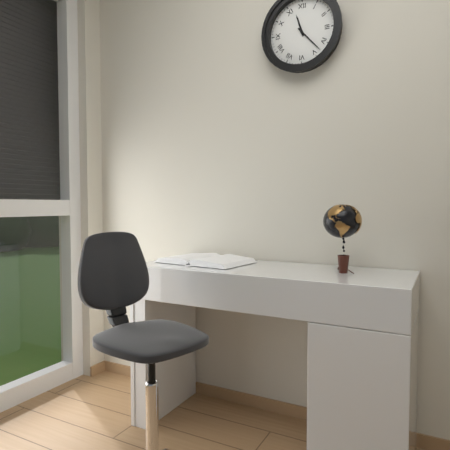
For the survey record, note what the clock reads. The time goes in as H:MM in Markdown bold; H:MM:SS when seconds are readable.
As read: **11:23**
